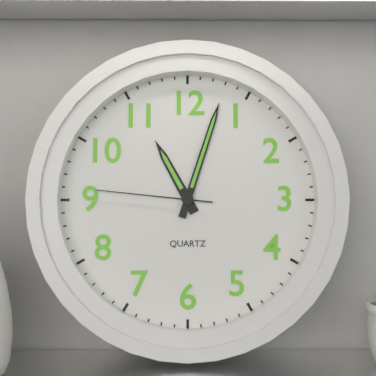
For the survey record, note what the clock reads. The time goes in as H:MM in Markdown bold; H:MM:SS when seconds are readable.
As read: **11:03:46**
